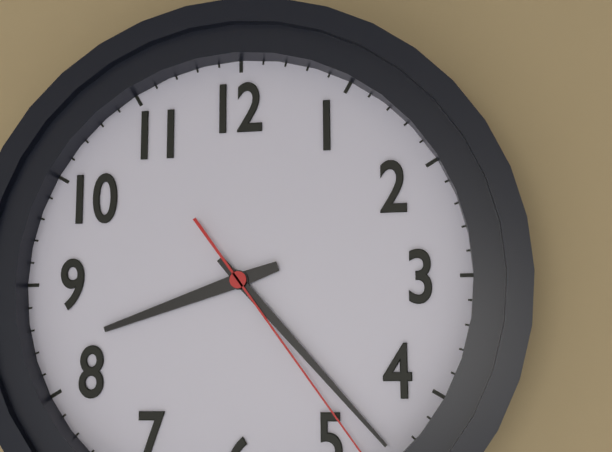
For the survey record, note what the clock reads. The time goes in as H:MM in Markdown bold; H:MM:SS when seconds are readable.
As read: **8:23**
